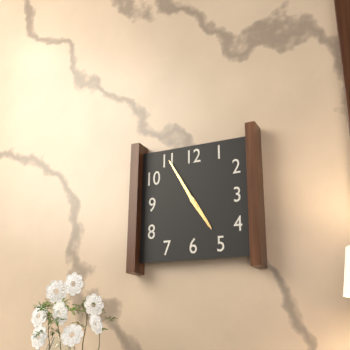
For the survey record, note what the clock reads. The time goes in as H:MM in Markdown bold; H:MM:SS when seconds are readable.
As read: **4:55**
